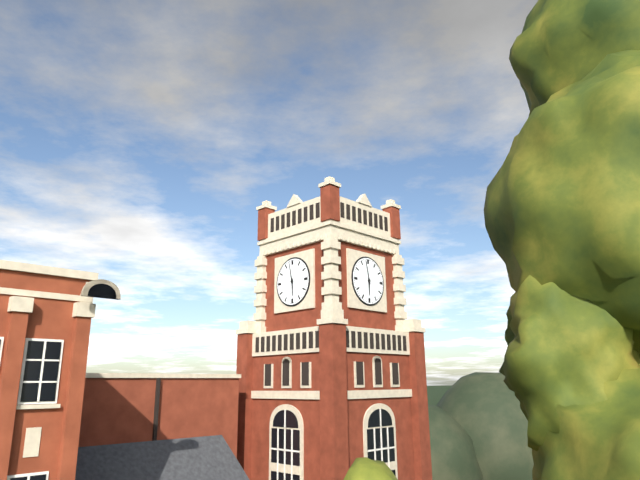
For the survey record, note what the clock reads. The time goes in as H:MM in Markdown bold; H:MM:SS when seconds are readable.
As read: **5:58**
